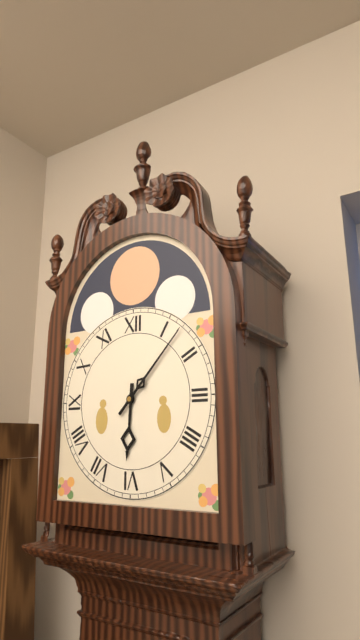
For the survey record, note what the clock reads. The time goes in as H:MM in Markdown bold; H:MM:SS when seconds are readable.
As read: **6:07**
